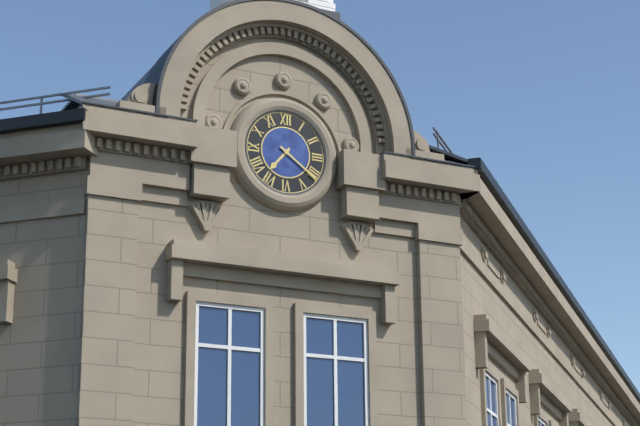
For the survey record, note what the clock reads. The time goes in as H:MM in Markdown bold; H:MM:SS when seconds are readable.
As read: **7:21**
